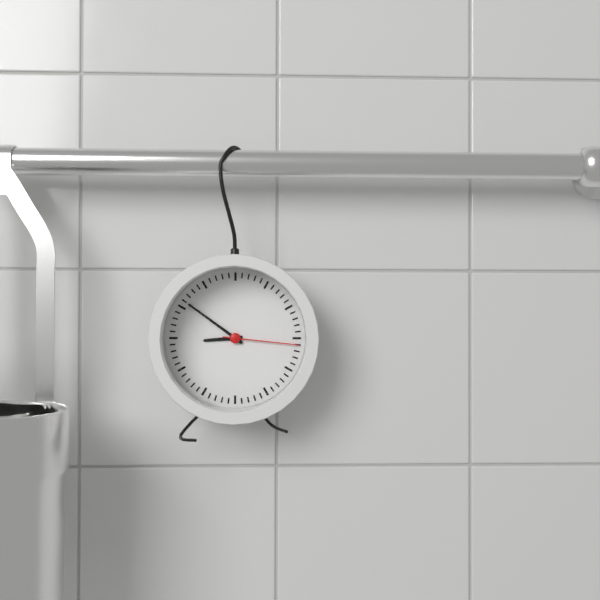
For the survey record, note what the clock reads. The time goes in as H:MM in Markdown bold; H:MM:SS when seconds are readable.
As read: **8:51:16**
